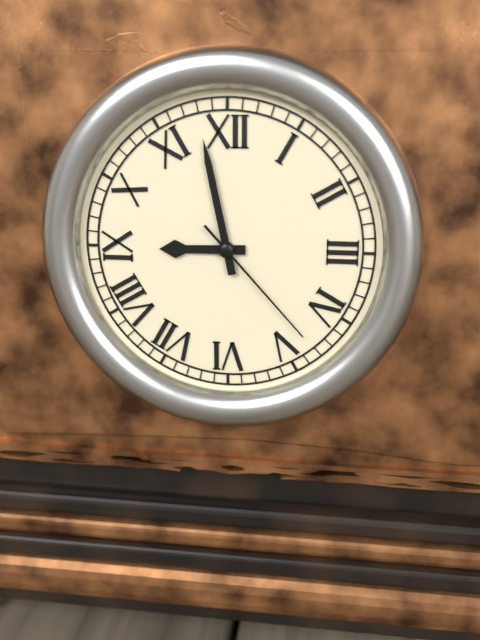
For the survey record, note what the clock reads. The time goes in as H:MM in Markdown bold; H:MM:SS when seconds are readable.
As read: **8:58:23**
